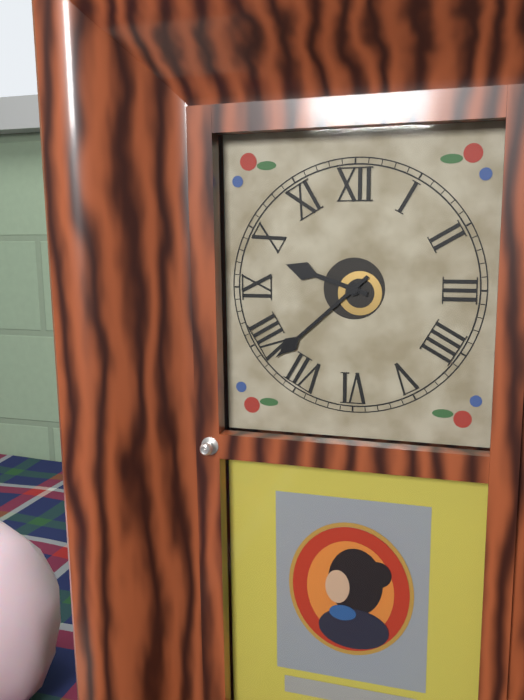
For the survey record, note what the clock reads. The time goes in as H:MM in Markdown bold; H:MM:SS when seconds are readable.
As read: **9:38**
